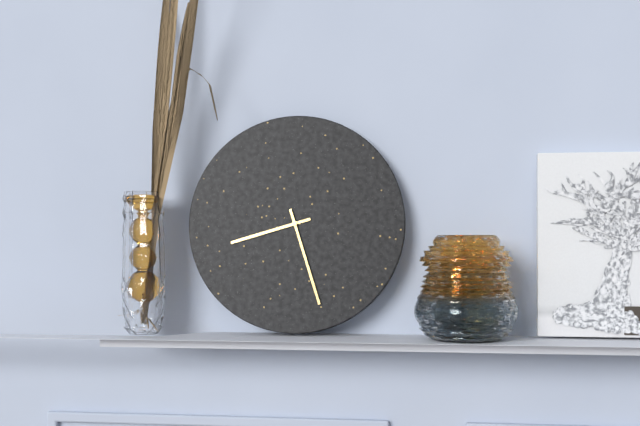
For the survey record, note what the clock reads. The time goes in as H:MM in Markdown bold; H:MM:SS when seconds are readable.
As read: **8:27**
